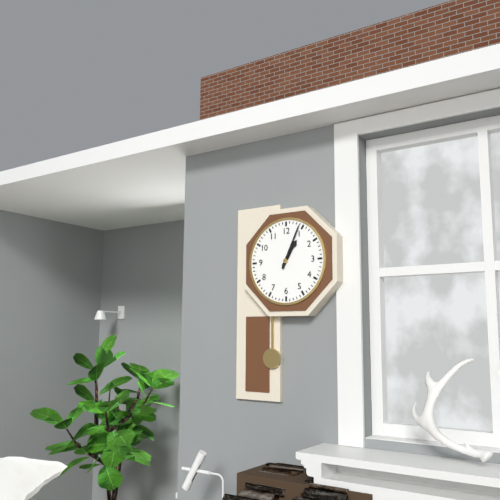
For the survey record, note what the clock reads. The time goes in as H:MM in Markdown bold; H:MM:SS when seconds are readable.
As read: **1:04**
